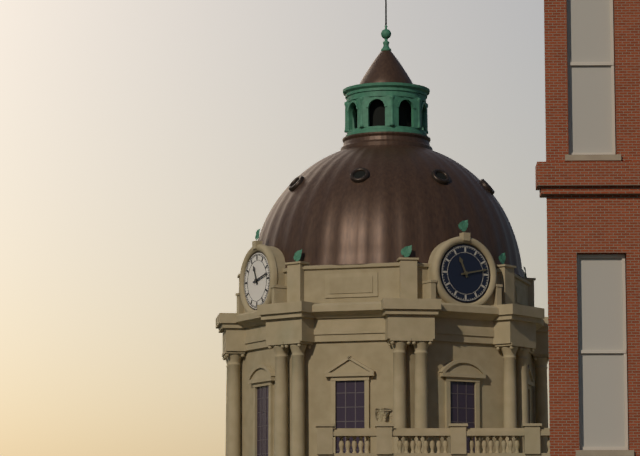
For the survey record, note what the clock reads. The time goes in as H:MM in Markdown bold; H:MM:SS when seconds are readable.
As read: **11:13**
